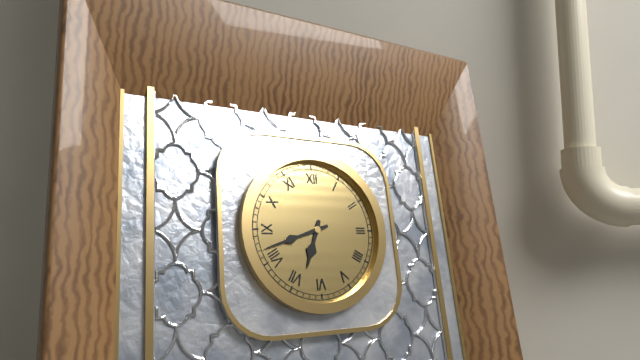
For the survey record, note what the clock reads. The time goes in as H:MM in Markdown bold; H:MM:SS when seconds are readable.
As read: **6:42**
